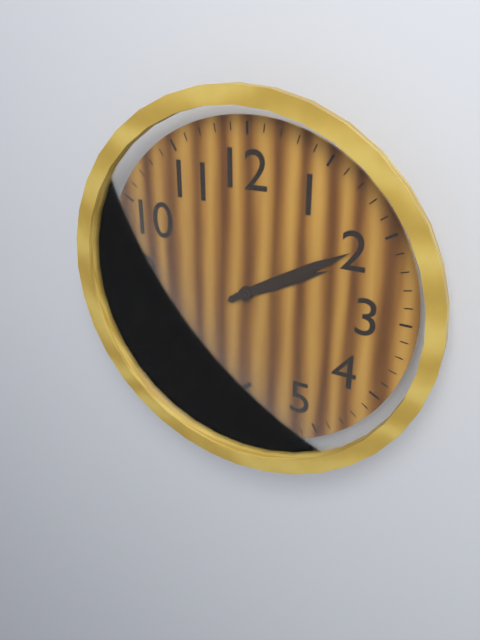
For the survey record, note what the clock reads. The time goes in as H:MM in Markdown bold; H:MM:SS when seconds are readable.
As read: **2:10**
